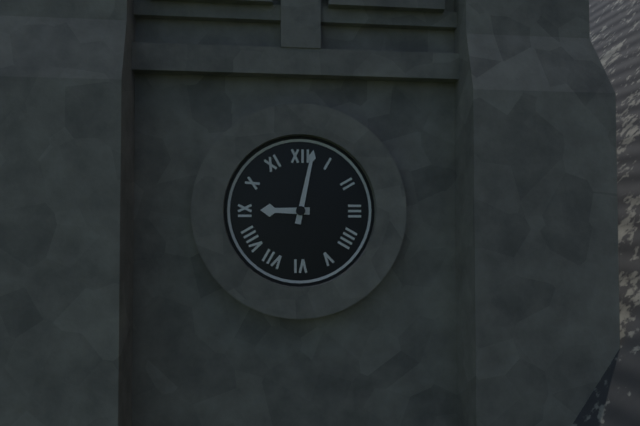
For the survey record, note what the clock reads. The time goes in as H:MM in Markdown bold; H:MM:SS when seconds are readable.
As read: **9:02**
